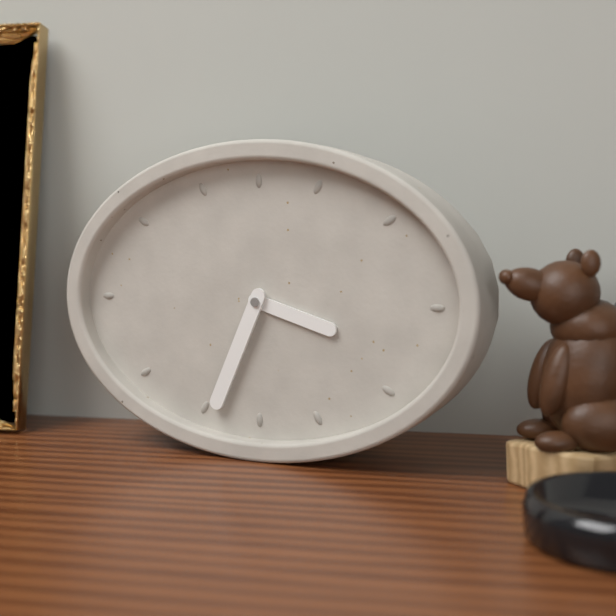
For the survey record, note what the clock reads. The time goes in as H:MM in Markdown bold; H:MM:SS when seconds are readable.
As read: **3:34**
